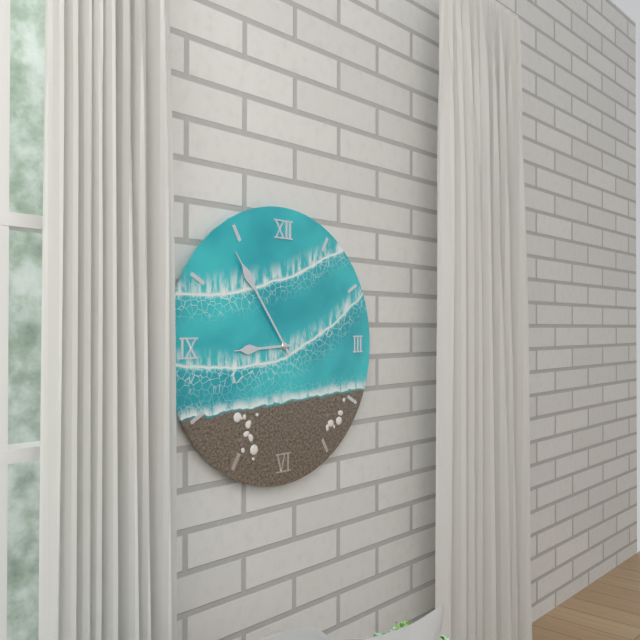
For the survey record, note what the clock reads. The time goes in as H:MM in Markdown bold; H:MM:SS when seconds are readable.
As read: **8:54**
